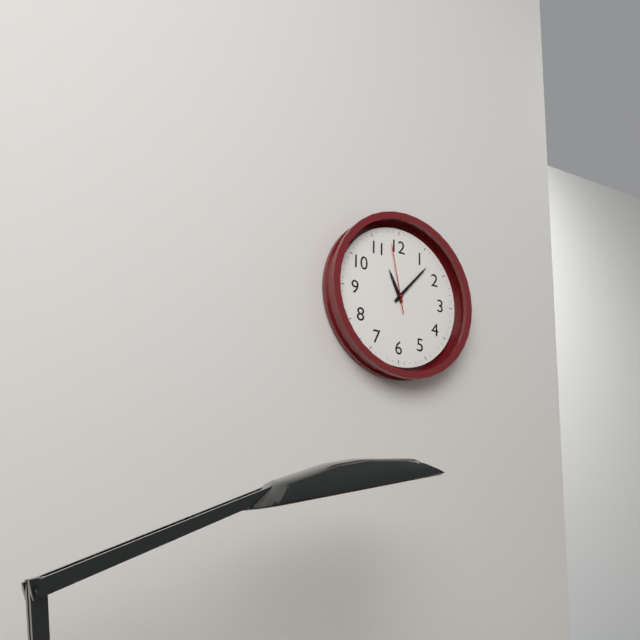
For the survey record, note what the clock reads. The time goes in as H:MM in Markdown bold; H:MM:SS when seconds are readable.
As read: **11:07:58**
